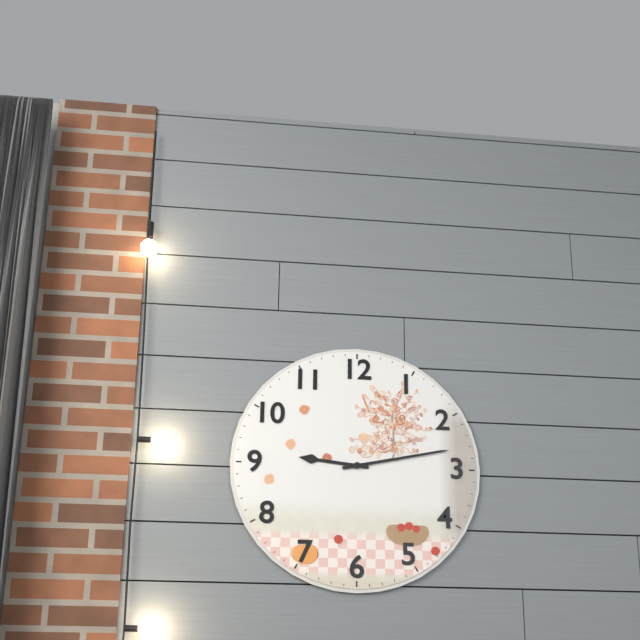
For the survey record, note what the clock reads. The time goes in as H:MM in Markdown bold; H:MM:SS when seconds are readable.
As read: **9:13**
